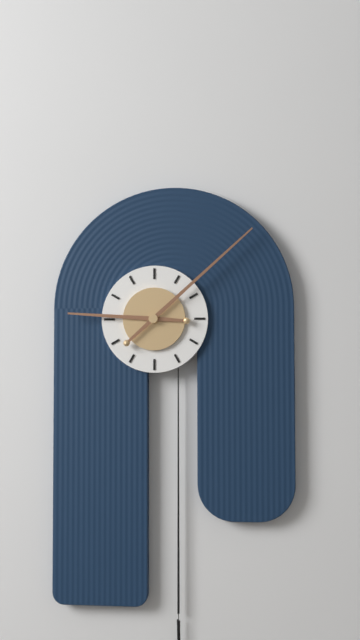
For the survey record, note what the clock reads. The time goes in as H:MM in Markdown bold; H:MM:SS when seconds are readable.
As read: **9:08**
